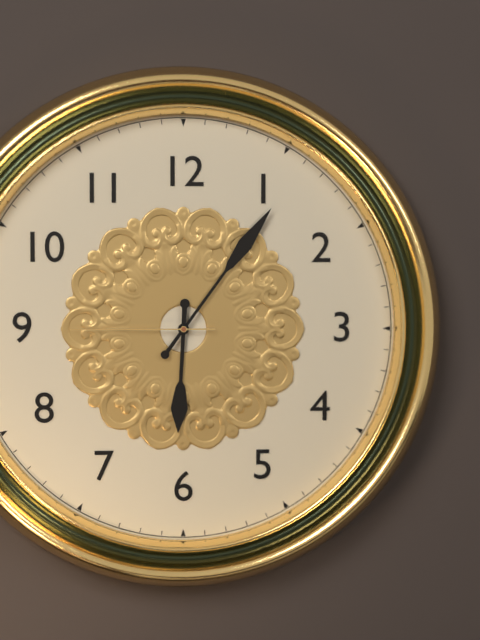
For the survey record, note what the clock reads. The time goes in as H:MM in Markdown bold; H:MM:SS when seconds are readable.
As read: **6:06:45**
